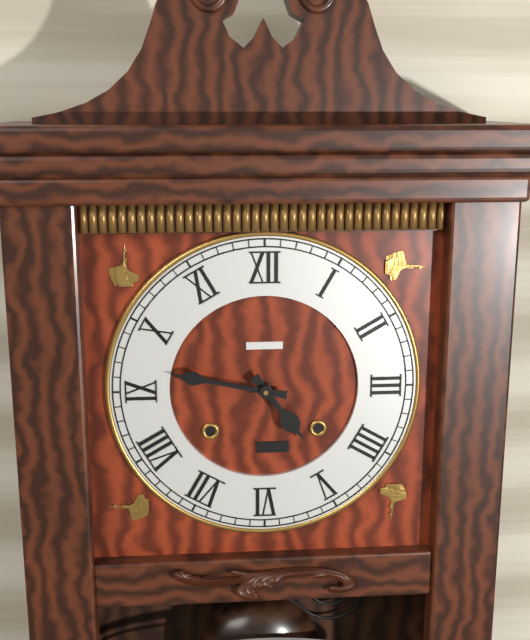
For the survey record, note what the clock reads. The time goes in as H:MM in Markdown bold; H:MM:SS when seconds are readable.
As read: **4:47**
